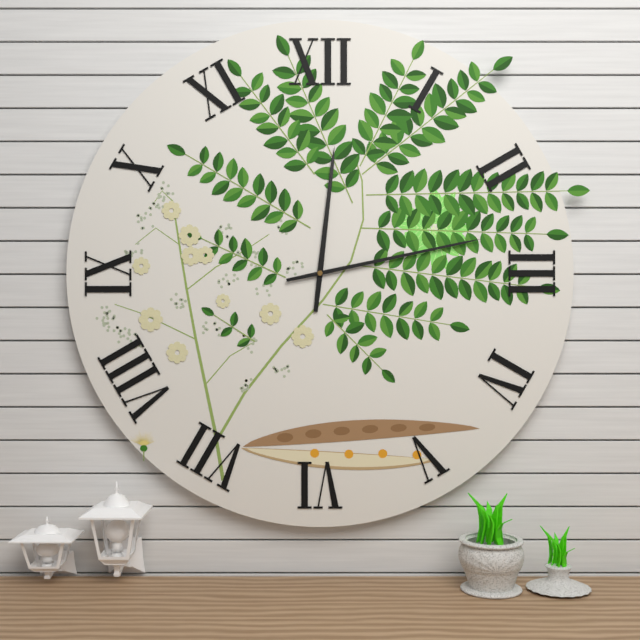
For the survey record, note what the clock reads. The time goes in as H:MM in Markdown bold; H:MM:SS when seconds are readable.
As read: **12:13**
